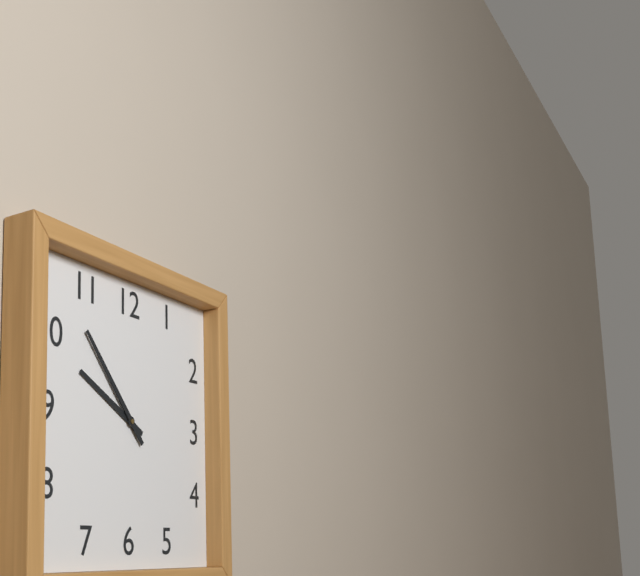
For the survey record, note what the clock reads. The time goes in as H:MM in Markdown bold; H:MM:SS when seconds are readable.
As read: **9:53**
